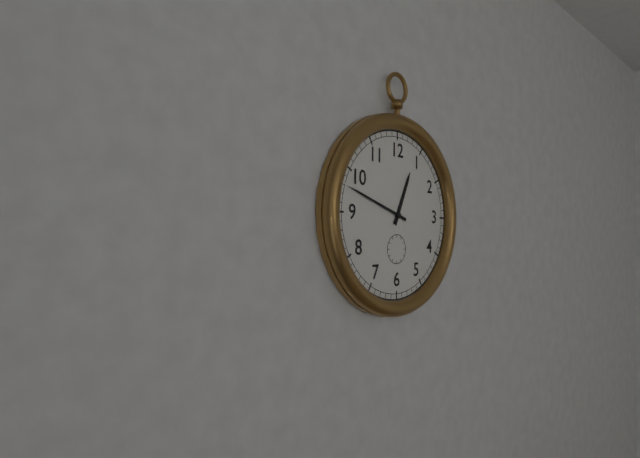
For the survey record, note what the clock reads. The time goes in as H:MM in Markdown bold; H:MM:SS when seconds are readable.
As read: **12:48**
